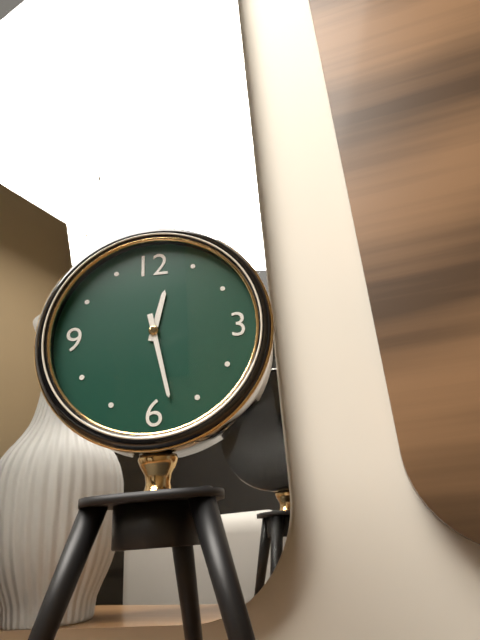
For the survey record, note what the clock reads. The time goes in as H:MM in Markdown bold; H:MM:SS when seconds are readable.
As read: **12:28**
